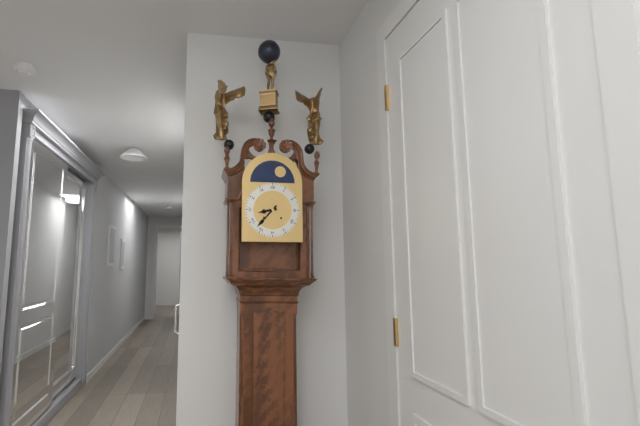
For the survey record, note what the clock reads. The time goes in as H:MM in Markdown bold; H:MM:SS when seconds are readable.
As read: **8:37**
